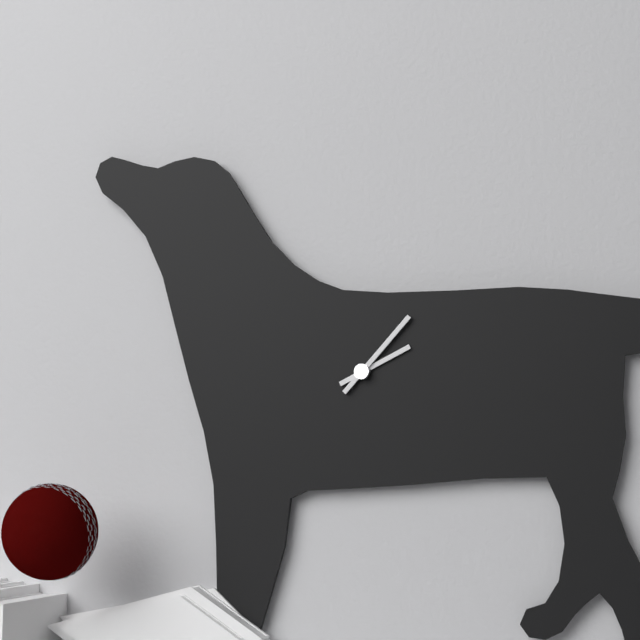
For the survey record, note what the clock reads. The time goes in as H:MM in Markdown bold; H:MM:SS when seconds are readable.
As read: **2:07**
